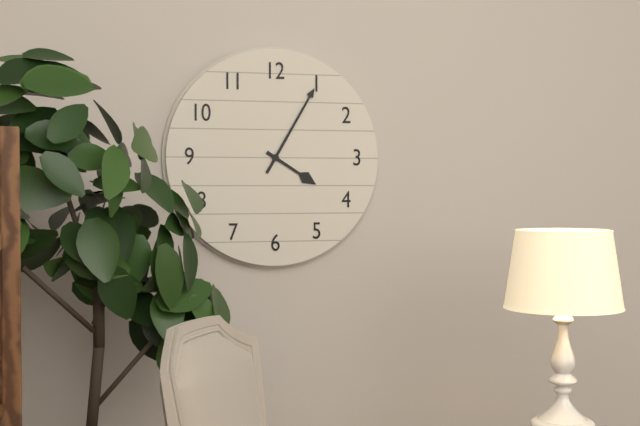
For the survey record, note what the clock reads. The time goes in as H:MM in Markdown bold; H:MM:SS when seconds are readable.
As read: **4:05**
